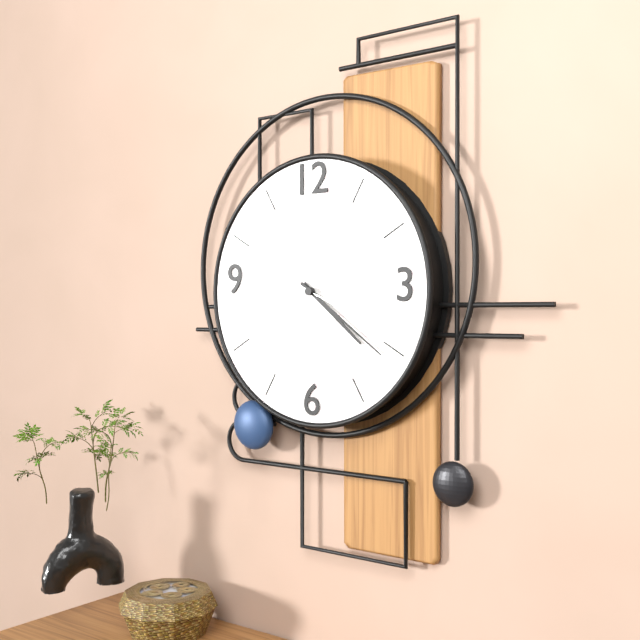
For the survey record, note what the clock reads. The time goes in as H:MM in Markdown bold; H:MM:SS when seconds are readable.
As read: **4:21:19**
